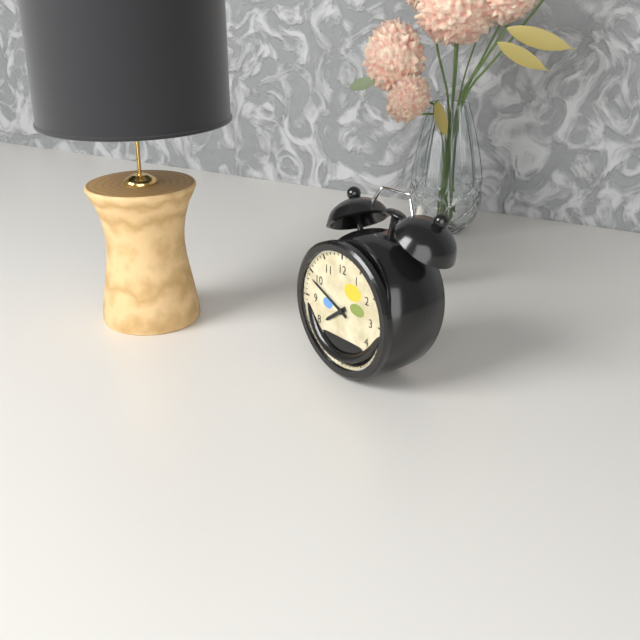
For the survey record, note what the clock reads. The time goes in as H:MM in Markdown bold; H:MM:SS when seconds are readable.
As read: **7:49**
